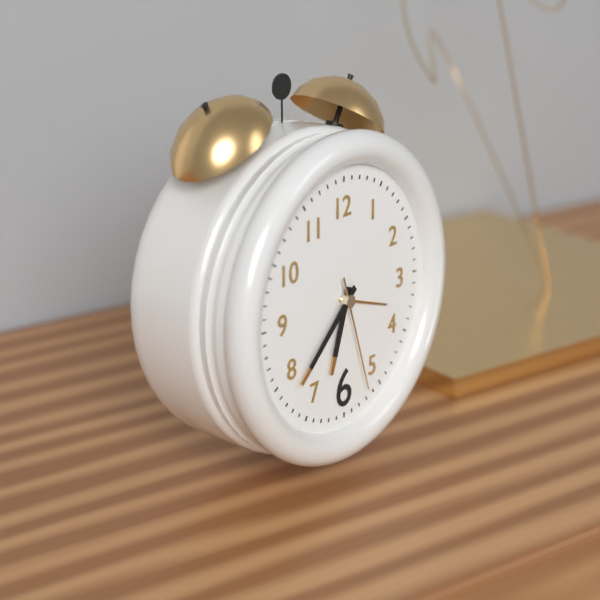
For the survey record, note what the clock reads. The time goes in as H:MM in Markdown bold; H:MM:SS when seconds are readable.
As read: **6:38:27**
